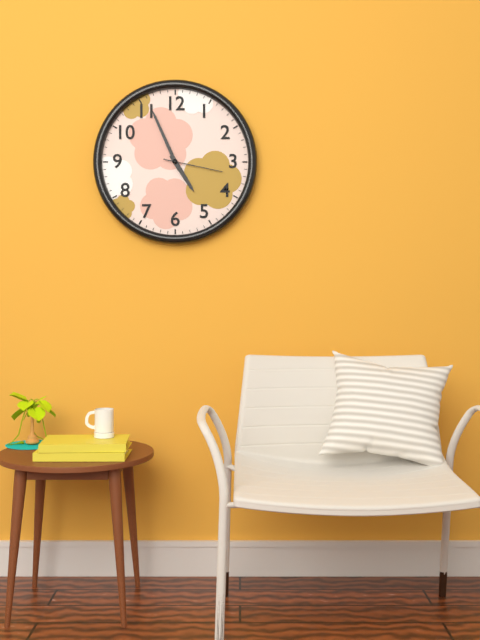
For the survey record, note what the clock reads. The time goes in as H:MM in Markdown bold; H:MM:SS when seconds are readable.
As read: **4:56:17**
